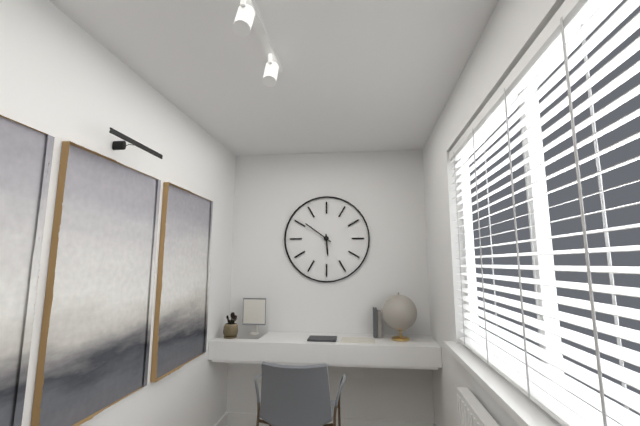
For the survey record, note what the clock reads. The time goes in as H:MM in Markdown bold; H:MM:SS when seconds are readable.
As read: **5:51**
